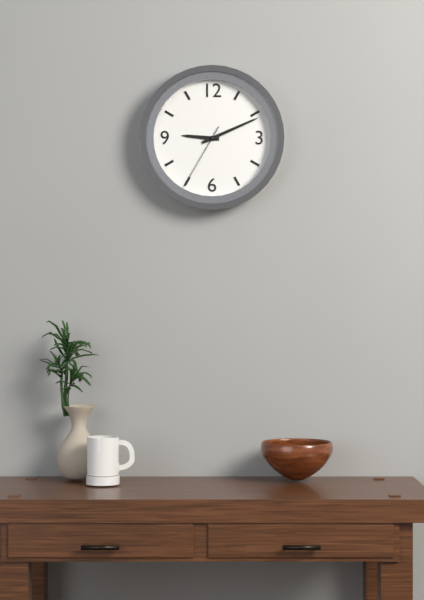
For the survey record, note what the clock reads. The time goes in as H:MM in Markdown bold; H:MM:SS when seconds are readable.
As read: **9:11:35**
